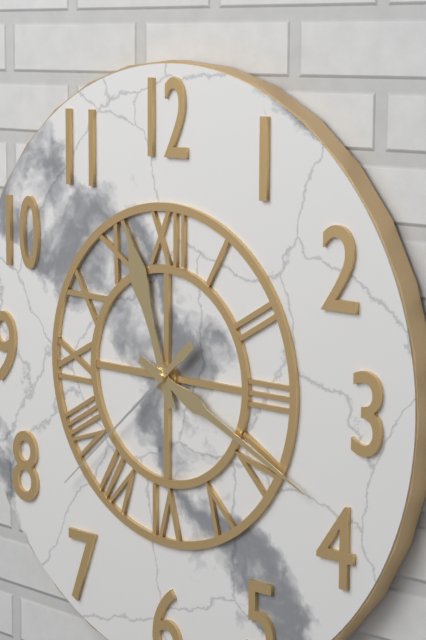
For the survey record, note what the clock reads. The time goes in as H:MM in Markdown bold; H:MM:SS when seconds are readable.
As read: **11:19:38**
